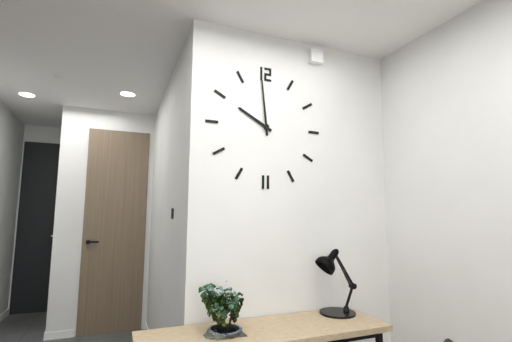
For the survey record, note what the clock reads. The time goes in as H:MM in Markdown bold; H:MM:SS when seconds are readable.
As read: **9:59**
